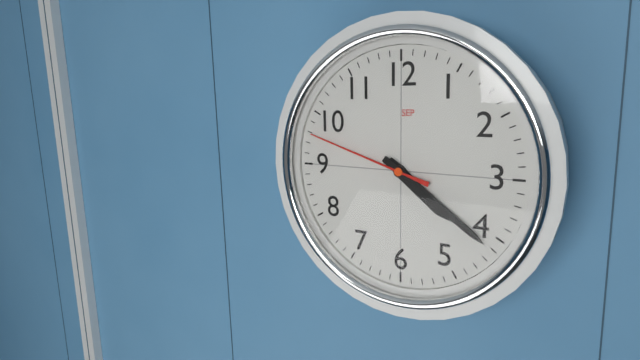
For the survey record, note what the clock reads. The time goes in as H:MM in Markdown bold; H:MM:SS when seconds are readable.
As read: **4:21:48**
